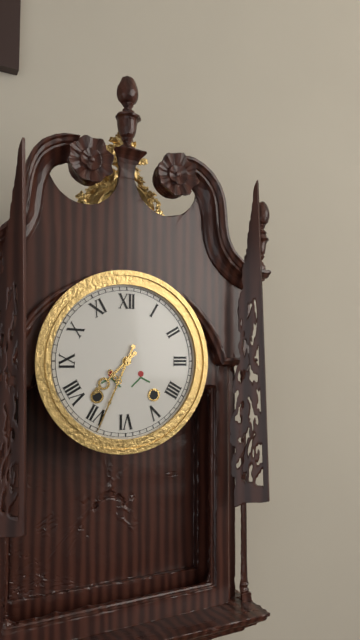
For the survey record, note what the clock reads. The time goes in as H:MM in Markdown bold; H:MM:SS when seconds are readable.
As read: **7:34**
